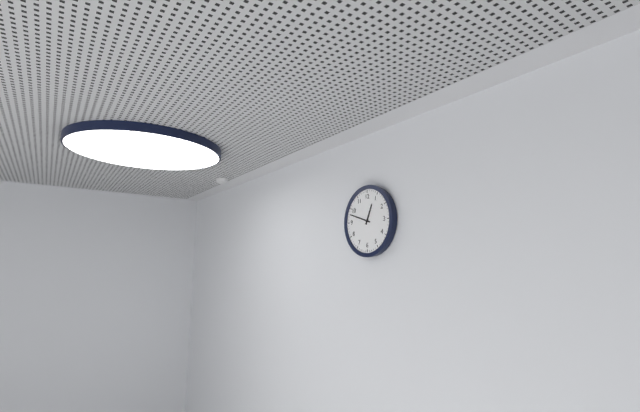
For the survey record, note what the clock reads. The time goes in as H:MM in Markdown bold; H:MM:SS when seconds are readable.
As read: **12:48**
